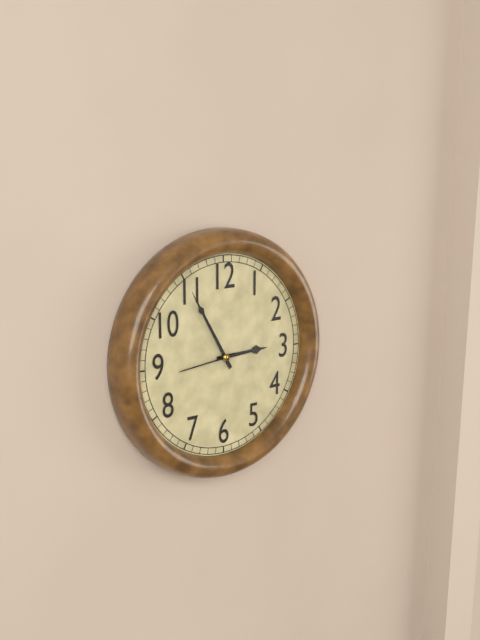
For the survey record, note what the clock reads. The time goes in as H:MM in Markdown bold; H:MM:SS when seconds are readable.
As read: **2:55:44**
